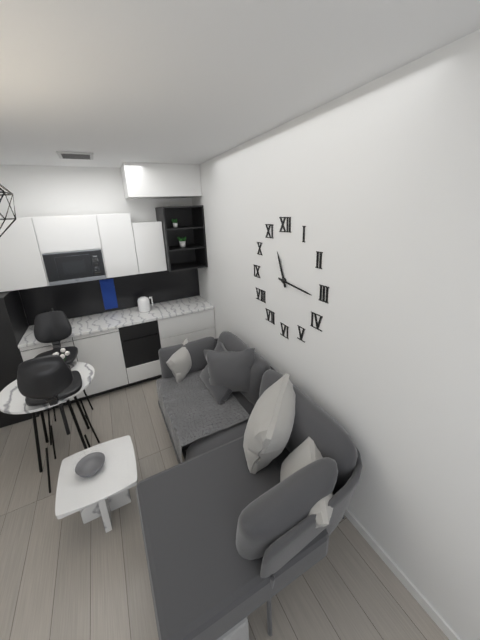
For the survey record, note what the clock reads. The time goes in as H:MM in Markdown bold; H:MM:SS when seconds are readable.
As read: **11:16**
